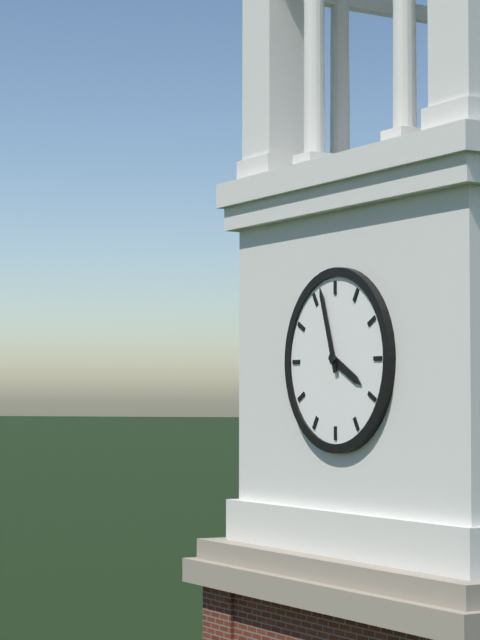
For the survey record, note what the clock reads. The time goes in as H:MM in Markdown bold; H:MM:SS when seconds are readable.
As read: **3:57**
